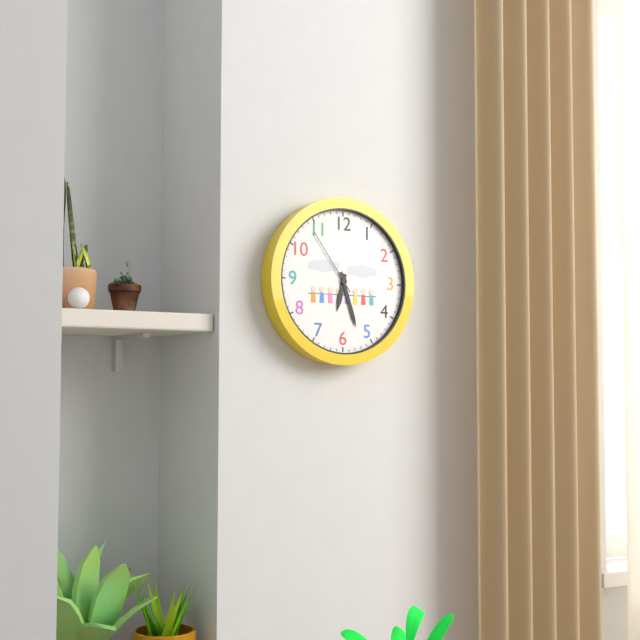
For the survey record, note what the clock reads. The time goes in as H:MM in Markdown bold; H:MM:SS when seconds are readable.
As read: **6:27:54**
